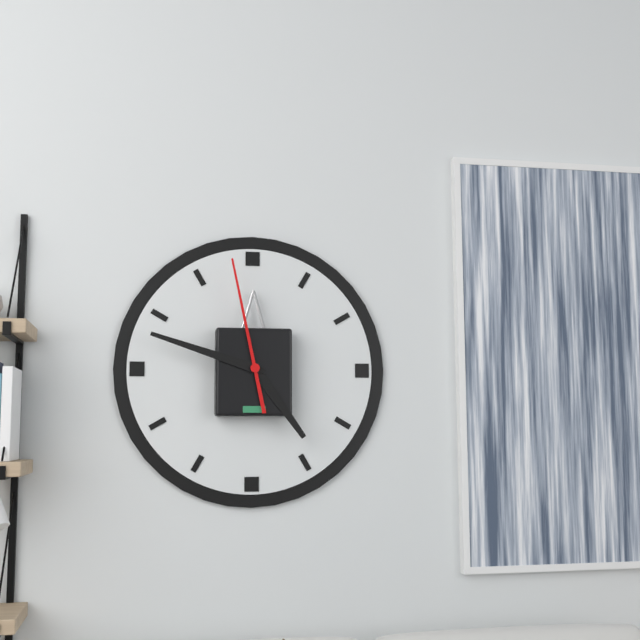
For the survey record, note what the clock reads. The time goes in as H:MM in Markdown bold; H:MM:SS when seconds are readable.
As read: **4:48:58**
